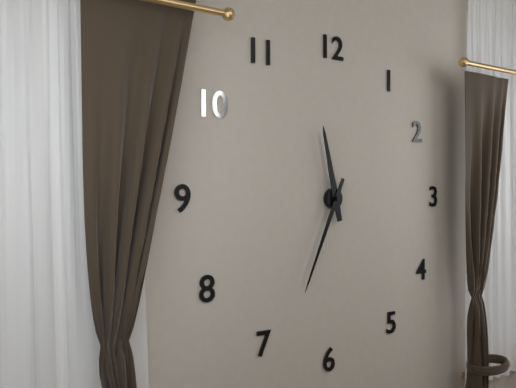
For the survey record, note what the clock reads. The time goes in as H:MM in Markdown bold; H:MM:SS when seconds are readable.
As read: **11:34**
